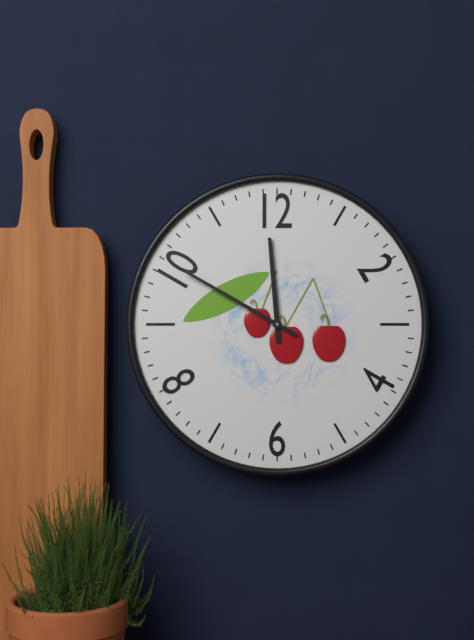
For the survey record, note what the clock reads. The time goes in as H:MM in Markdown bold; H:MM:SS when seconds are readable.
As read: **11:50**
